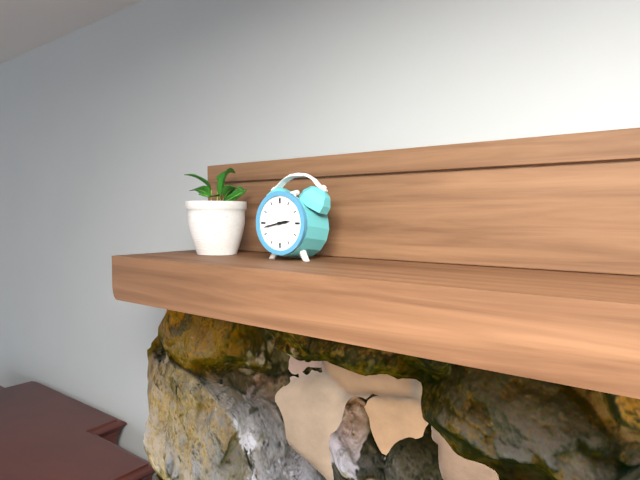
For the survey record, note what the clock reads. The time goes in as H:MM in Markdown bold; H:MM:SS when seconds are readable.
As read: **2:43**
